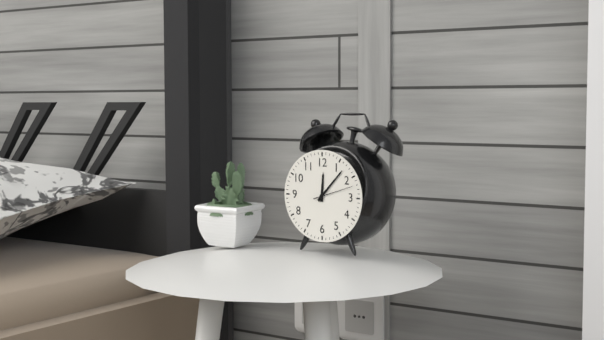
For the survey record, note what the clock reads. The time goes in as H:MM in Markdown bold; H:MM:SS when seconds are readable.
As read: **12:07**
